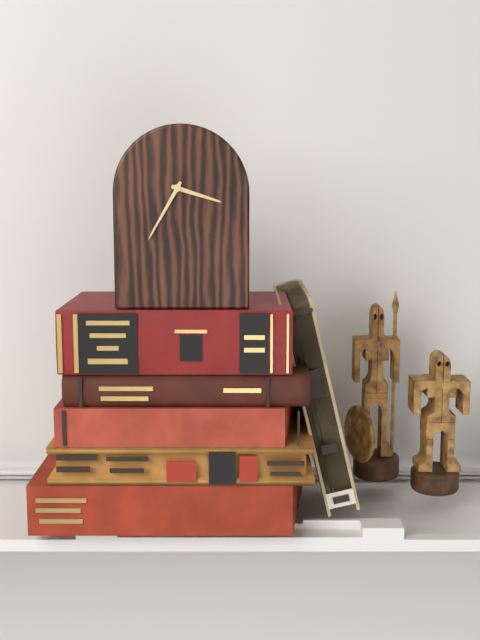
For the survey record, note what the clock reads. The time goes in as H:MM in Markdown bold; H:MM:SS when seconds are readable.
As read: **3:35**
